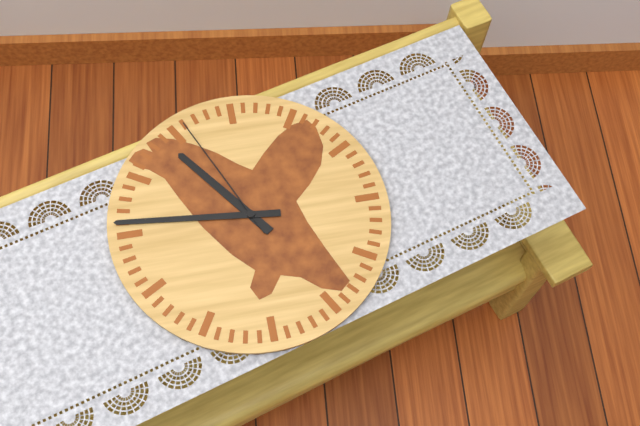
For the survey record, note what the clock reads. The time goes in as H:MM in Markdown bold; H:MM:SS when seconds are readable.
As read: **10:46:56**
